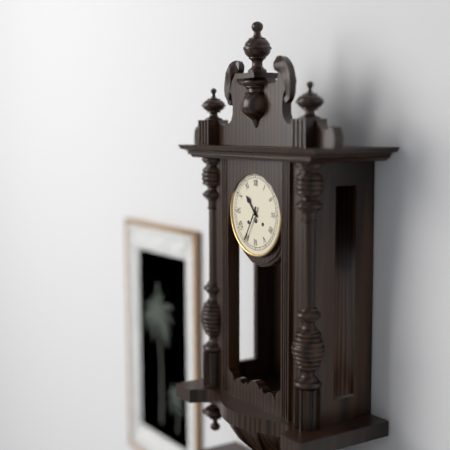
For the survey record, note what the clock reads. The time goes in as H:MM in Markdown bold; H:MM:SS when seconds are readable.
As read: **10:35**
